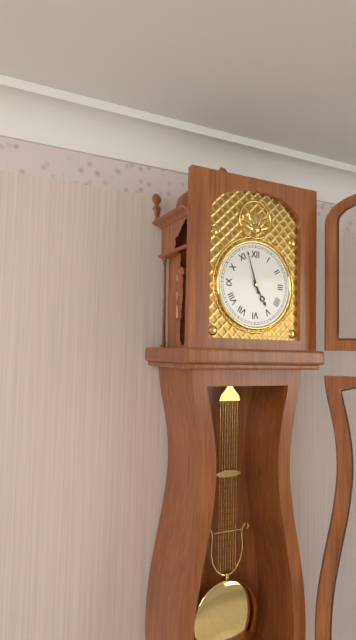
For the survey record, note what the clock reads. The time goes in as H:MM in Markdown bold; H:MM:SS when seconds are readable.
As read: **4:57**
